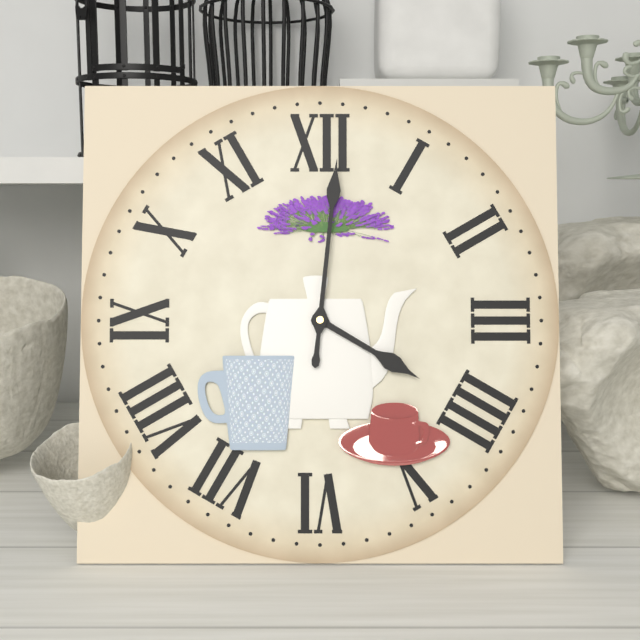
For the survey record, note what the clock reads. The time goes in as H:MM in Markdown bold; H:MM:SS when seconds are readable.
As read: **4:01**
